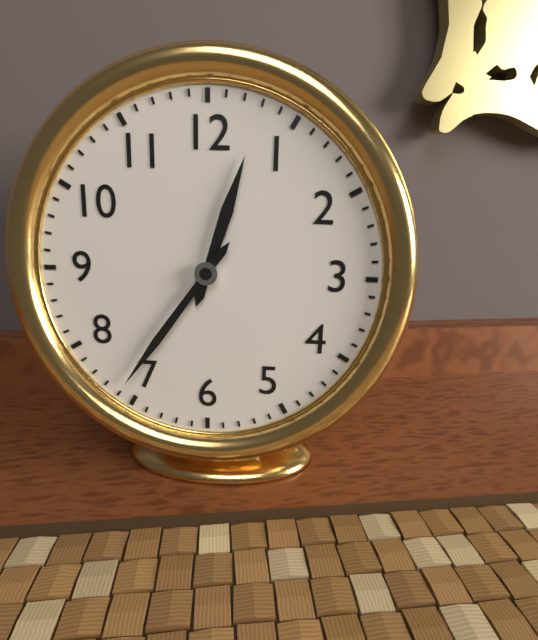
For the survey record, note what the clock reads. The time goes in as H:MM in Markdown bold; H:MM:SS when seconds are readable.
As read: **12:36**
